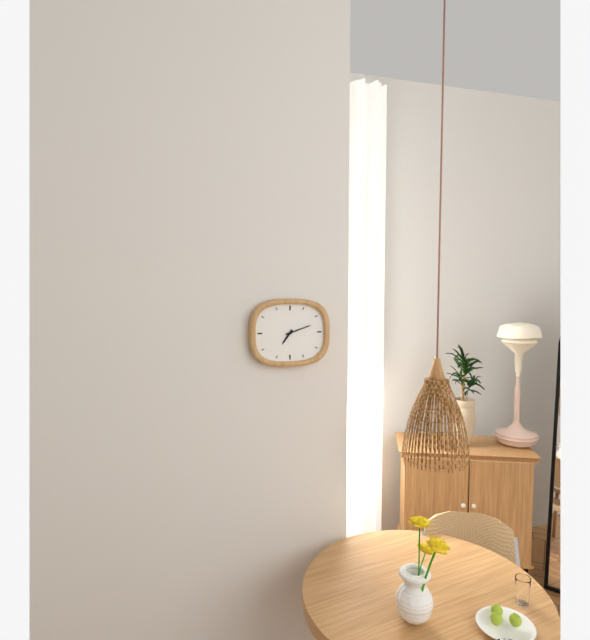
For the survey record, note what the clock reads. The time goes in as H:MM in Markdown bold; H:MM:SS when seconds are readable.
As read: **7:12**
